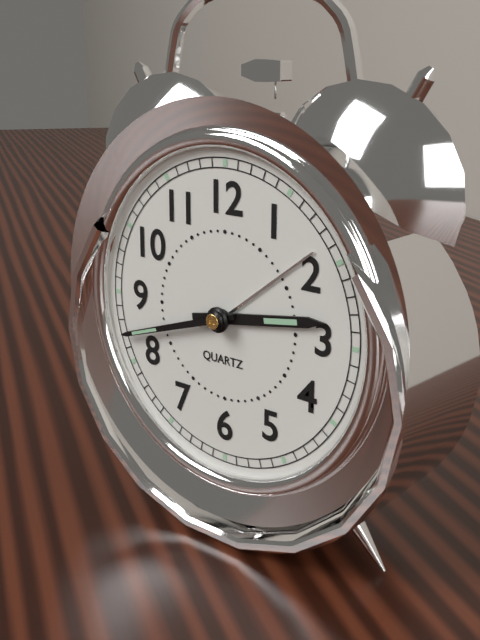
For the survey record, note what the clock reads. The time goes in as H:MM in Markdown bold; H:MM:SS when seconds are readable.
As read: **2:42**
